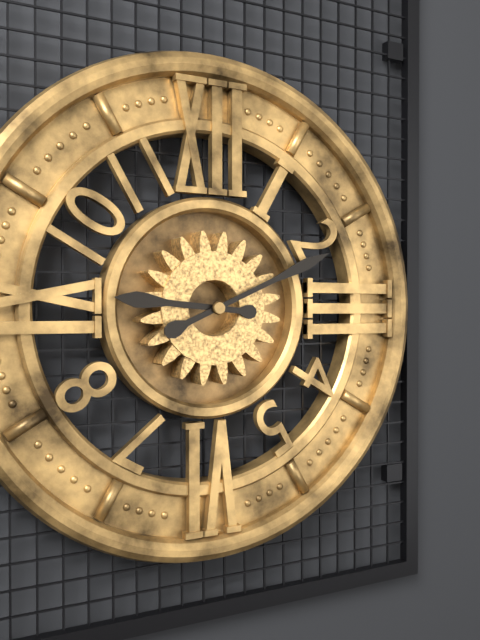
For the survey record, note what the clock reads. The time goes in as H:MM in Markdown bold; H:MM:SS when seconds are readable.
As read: **9:11**
